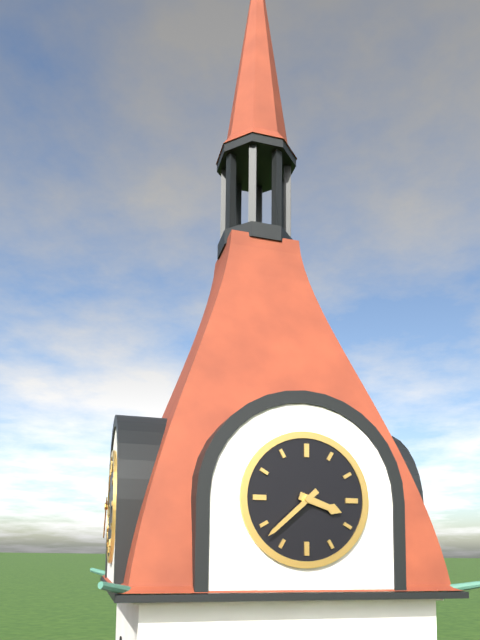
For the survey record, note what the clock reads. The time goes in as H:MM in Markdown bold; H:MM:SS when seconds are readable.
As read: **3:38**
